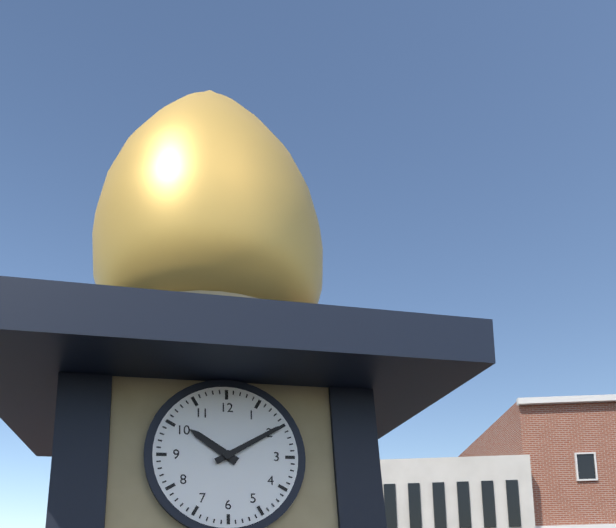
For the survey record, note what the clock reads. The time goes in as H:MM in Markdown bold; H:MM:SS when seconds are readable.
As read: **10:10**
